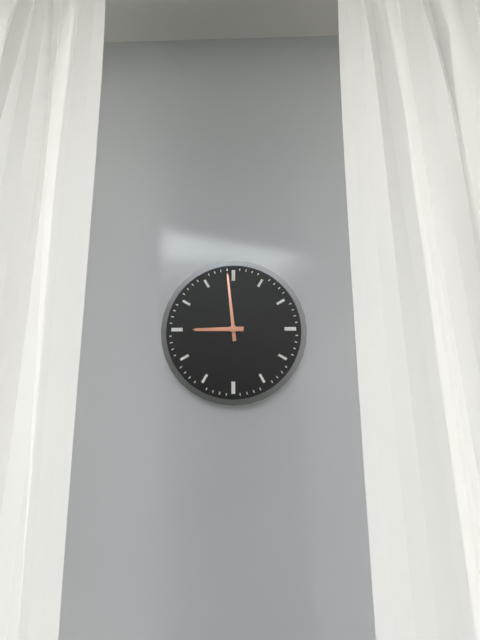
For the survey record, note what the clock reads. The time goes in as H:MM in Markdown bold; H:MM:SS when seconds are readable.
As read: **8:59**
